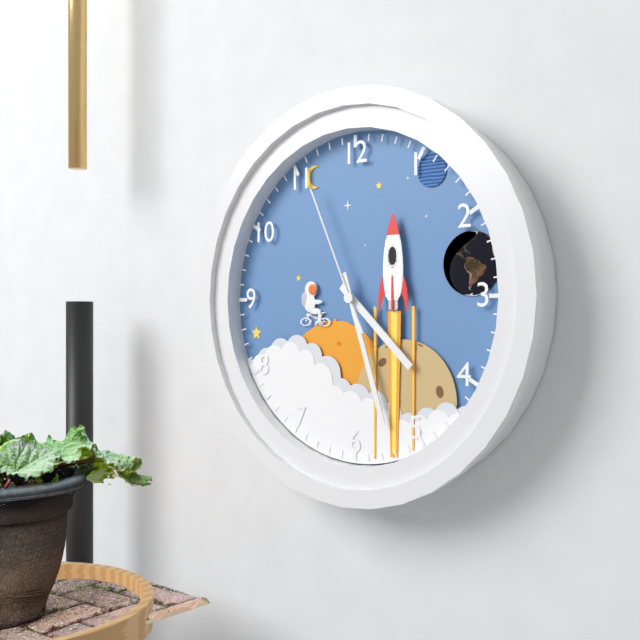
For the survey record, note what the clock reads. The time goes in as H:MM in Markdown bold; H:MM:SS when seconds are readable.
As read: **4:27:56**
